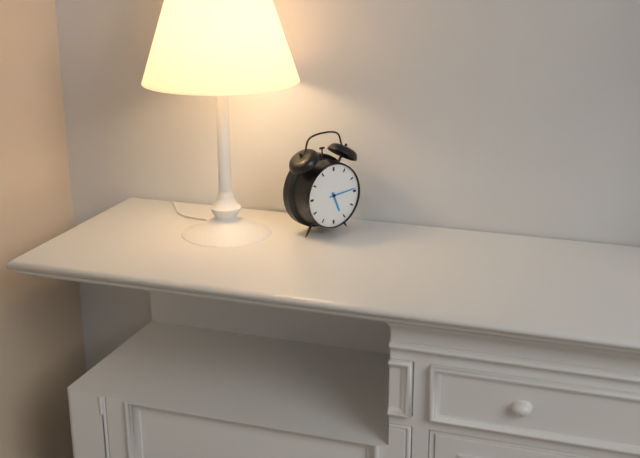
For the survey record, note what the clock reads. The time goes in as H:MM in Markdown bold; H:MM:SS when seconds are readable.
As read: **5:14**
